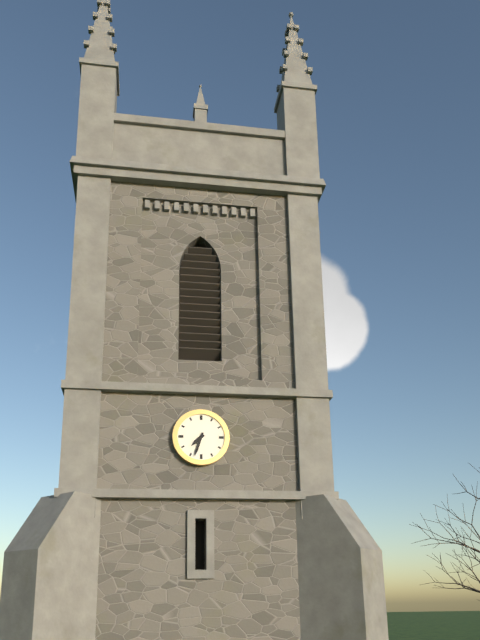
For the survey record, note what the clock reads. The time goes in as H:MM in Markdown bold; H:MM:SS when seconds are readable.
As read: **7:33**
